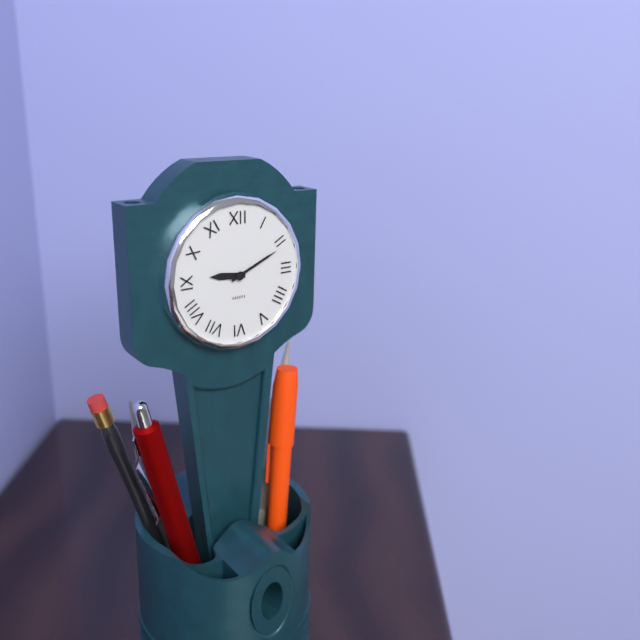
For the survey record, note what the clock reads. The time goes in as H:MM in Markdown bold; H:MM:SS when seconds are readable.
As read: **9:11**
